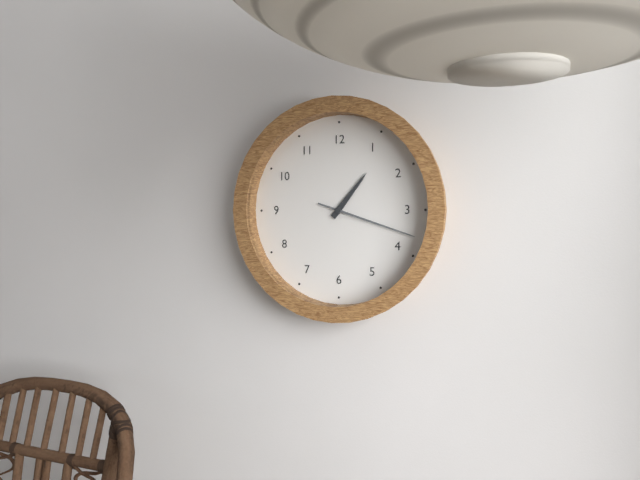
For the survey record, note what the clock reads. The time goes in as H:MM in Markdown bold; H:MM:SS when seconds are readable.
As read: **1:18**
